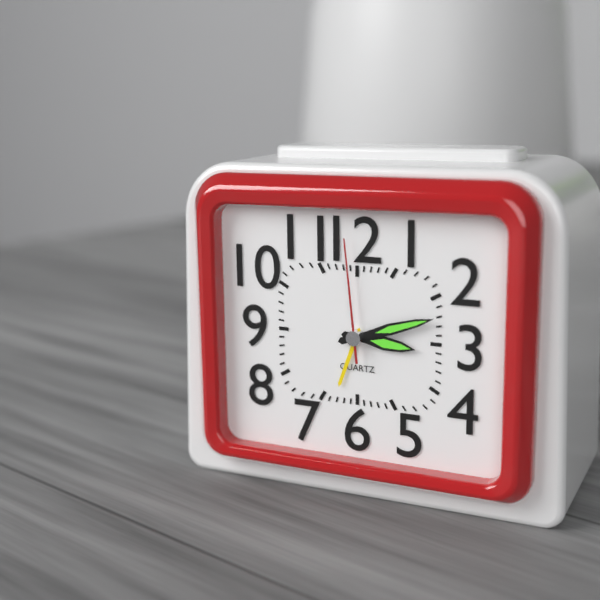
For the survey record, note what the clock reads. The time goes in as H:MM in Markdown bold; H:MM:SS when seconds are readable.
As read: **3:12:59**
